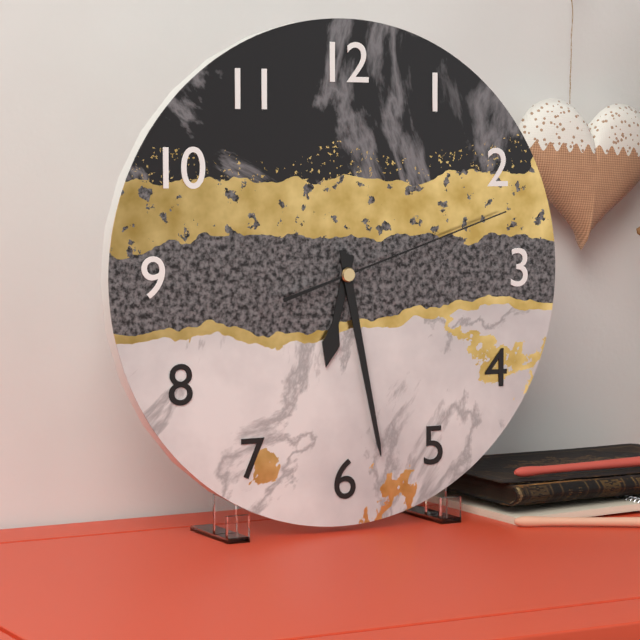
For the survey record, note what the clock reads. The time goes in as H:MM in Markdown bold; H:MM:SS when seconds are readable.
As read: **6:28:12**
